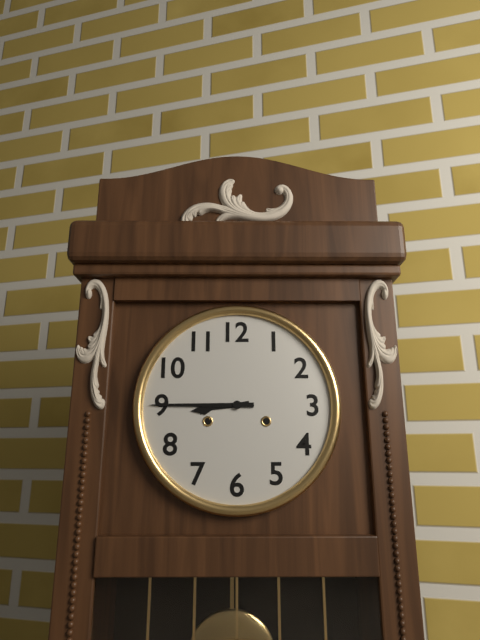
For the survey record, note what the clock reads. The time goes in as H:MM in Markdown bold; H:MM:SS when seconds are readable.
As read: **8:45**
